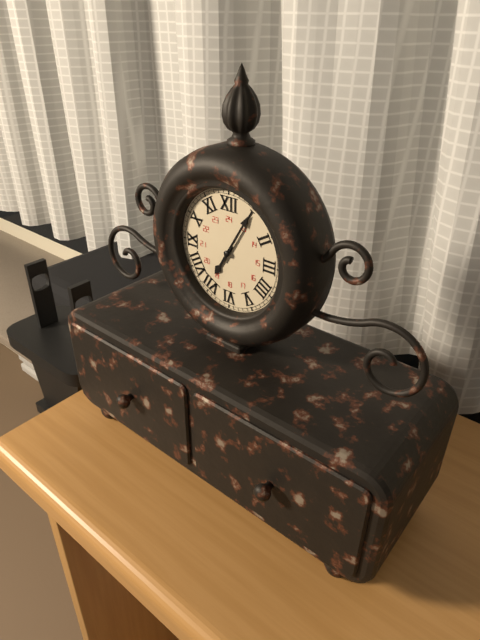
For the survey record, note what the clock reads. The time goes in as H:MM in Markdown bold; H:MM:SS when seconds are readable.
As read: **7:05**
